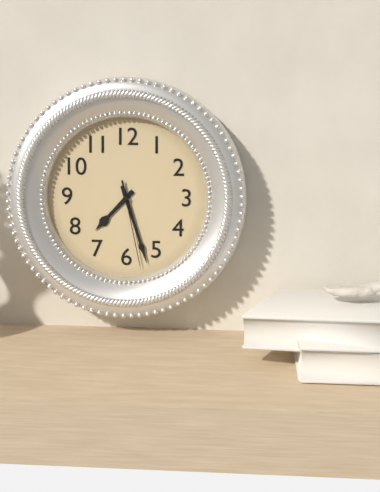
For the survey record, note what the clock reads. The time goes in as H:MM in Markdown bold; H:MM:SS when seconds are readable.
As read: **7:27:28**
